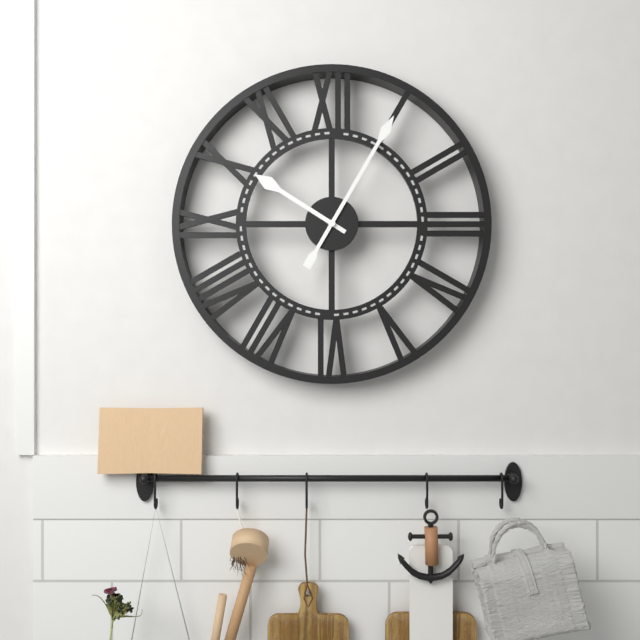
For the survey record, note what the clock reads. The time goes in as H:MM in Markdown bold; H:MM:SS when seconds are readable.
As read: **10:05**
